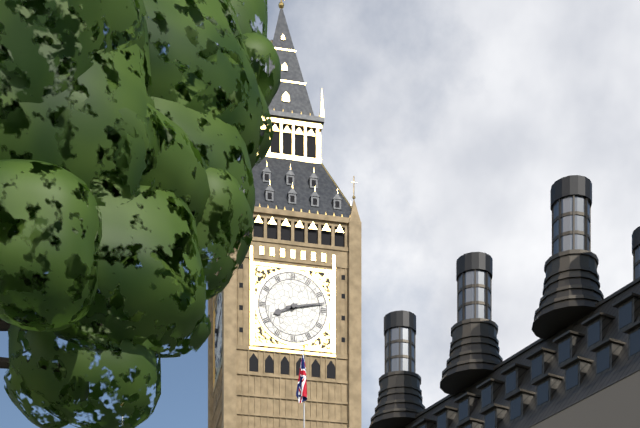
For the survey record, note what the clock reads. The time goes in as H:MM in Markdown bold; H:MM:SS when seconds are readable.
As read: **8:13**
